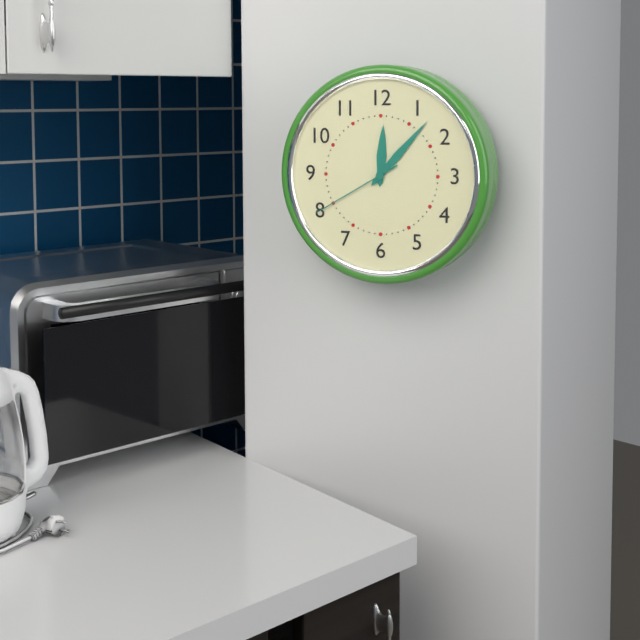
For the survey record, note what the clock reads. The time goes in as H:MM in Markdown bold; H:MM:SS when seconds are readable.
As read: **12:07:40**
